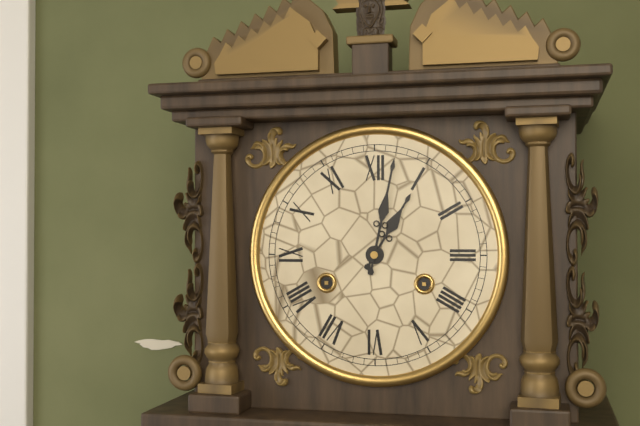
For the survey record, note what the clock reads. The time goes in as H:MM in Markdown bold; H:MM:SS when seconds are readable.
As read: **1:02**
